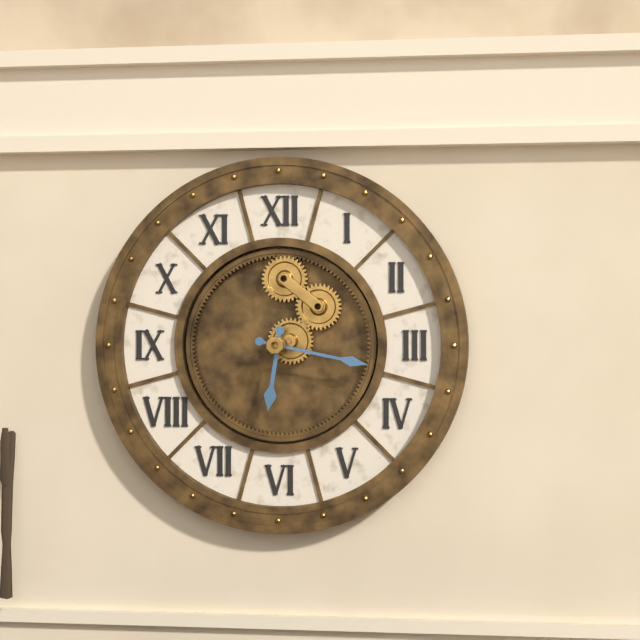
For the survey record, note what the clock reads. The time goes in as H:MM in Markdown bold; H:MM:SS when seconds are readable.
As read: **6:17**
